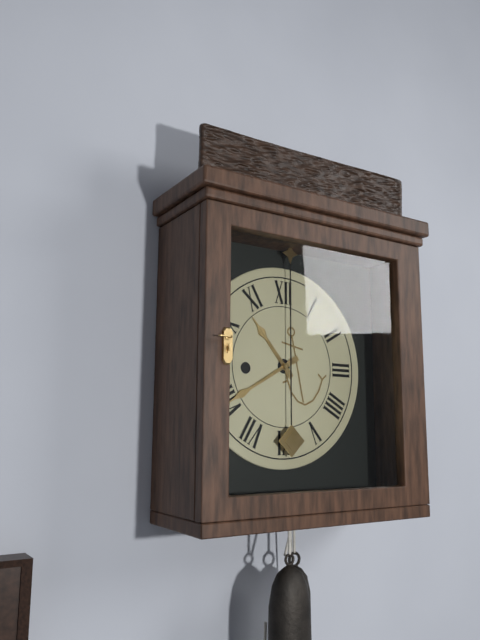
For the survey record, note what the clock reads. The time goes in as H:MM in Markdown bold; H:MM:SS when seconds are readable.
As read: **10:40**
